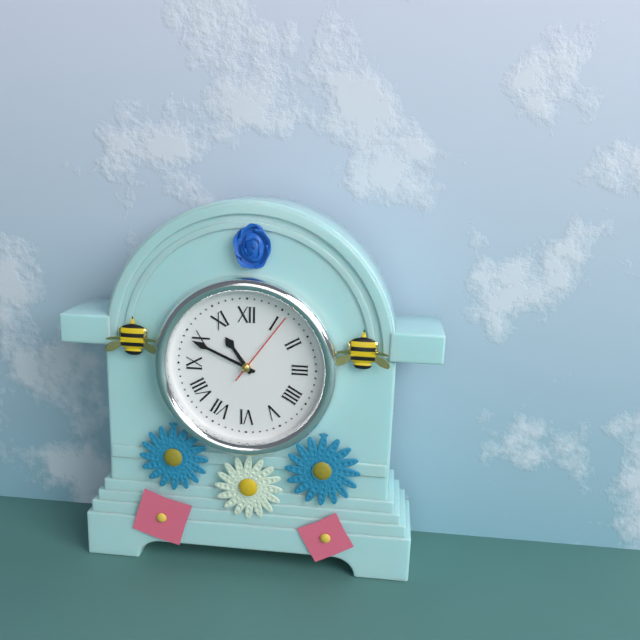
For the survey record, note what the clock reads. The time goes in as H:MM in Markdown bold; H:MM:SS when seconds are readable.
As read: **10:49:06**
